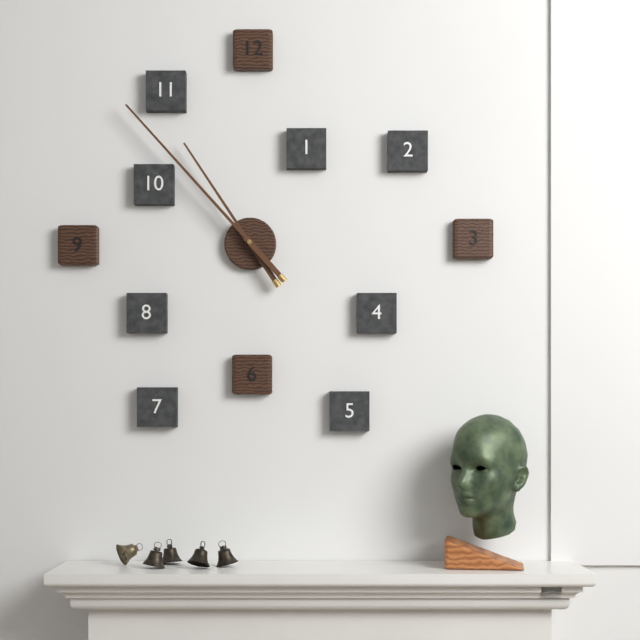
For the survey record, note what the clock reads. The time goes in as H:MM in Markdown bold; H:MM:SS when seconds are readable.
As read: **10:53**
